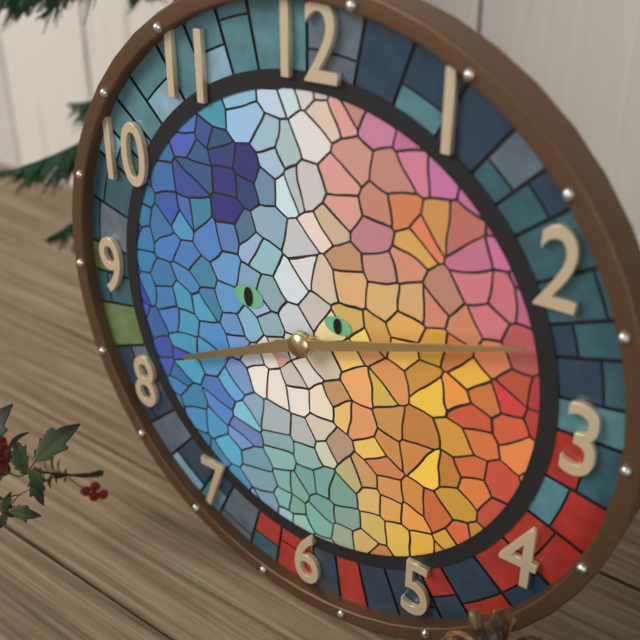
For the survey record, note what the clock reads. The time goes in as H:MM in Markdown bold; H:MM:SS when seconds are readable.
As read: **8:12**
